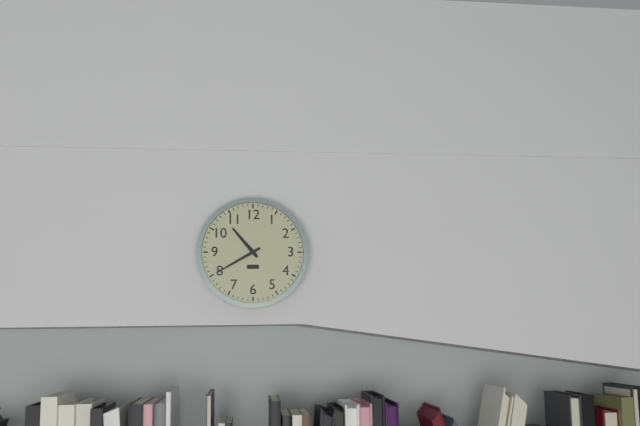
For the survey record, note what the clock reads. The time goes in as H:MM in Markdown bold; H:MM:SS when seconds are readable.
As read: **10:40**
